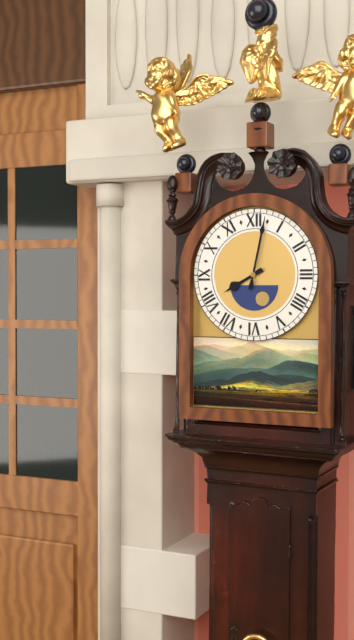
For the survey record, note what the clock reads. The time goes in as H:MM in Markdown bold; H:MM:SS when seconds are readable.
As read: **8:02**
